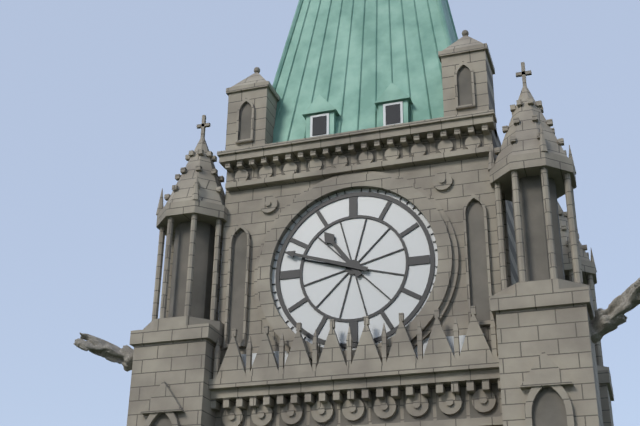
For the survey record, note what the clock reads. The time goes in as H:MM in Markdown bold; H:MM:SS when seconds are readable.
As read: **10:48**
